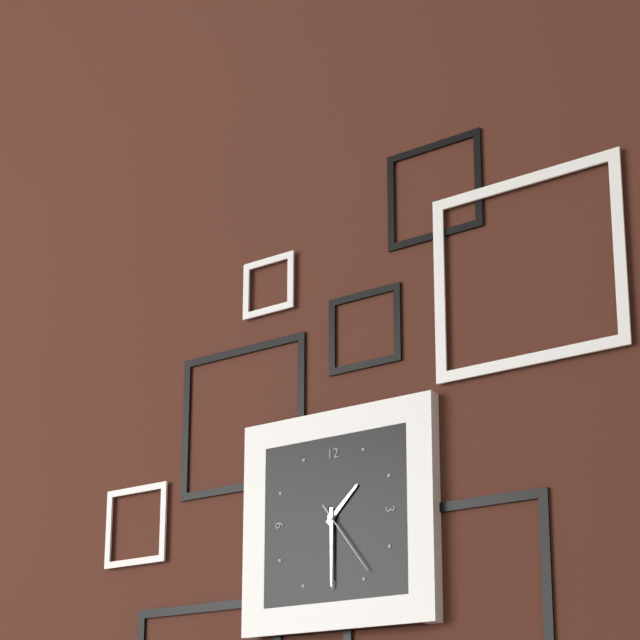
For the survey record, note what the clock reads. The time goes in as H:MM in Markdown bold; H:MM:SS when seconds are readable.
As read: **1:30:24**
